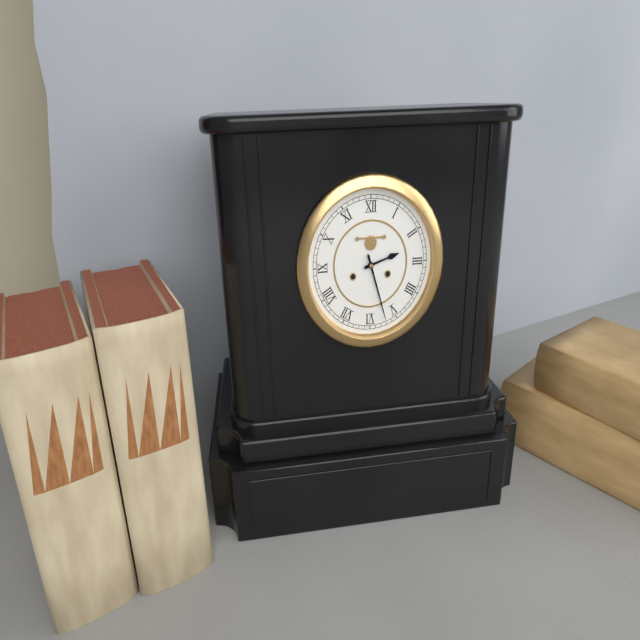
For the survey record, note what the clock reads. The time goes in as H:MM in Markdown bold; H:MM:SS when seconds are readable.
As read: **2:27**
